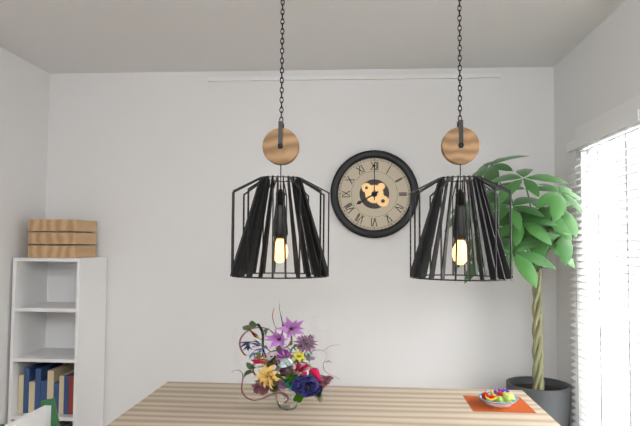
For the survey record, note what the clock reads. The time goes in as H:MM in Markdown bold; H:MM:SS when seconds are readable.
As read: **8:00**
